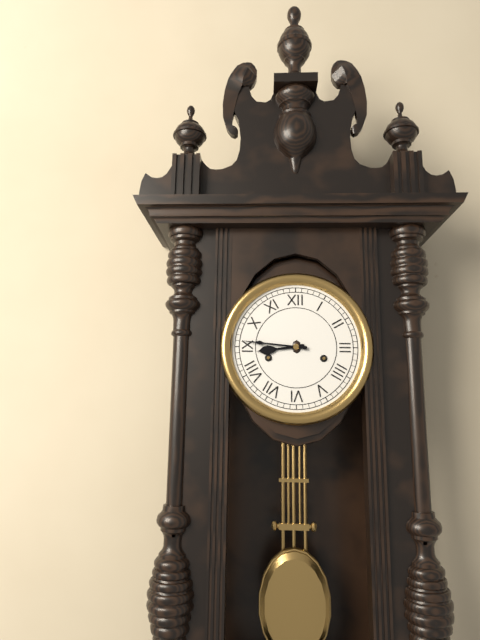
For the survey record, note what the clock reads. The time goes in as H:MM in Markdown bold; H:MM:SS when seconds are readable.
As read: **8:46**
